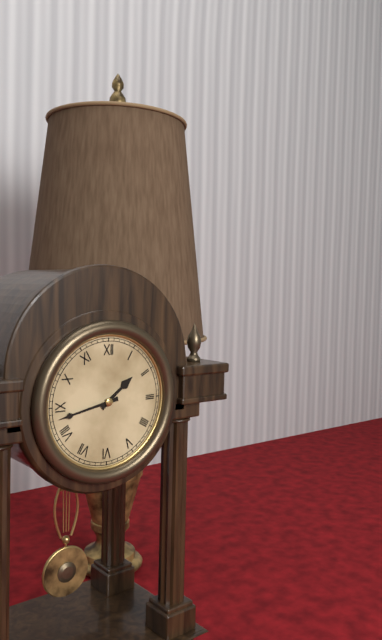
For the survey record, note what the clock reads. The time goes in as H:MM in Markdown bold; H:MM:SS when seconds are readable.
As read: **1:43**
